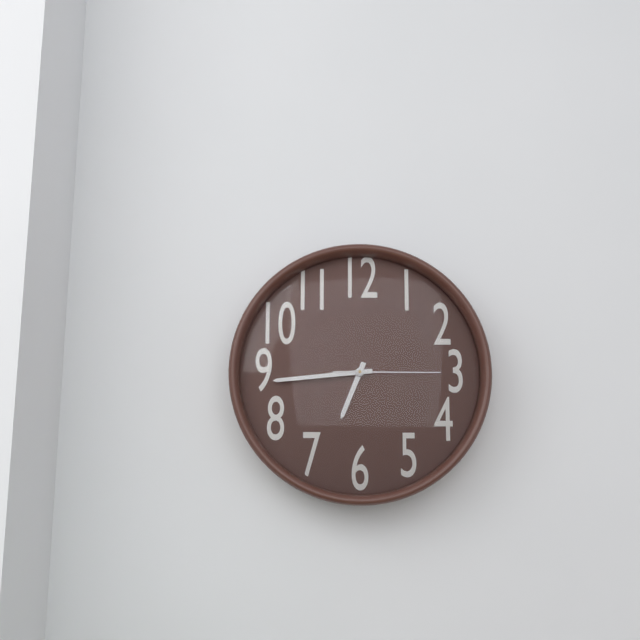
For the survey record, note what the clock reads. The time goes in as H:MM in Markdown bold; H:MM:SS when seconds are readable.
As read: **6:44:15**
